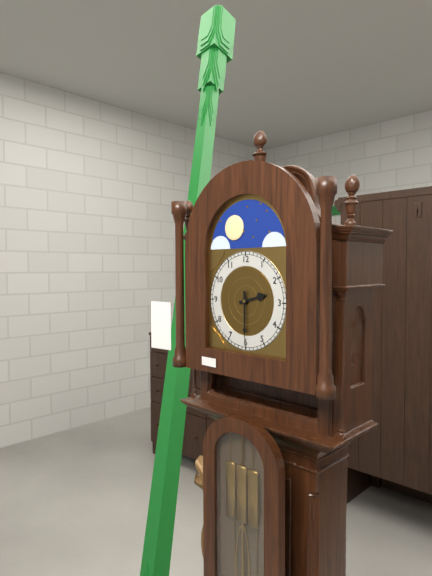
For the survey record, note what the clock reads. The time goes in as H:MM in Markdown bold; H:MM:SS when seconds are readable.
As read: **2:30**
